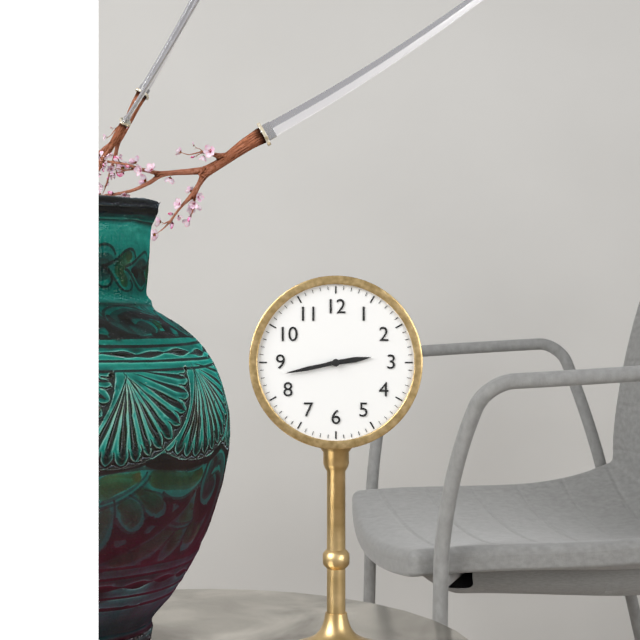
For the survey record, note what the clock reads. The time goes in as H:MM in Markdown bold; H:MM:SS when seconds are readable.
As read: **2:43**
